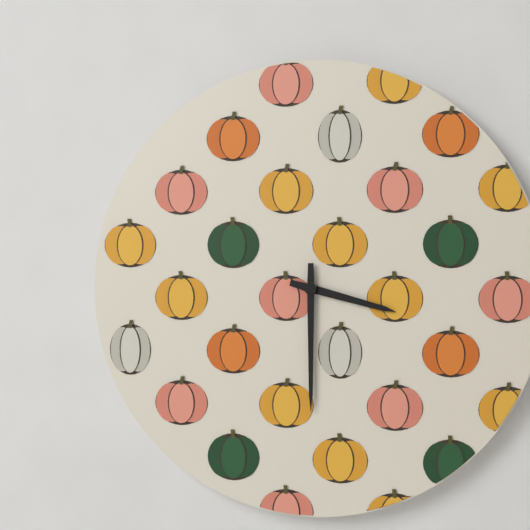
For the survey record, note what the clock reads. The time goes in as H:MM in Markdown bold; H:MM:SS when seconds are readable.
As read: **3:30**
